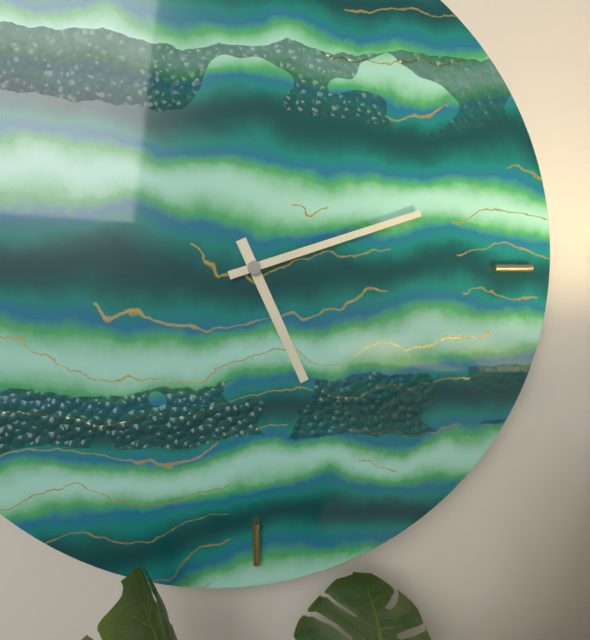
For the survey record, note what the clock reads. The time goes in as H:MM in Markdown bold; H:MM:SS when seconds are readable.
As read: **5:12**
